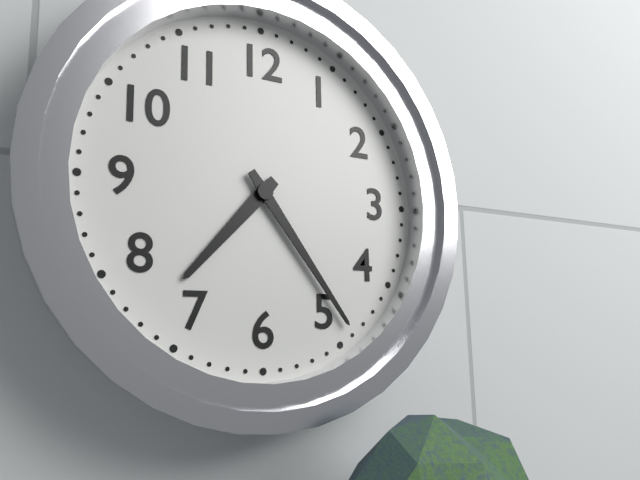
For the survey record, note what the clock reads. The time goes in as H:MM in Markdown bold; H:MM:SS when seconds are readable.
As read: **7:24**
